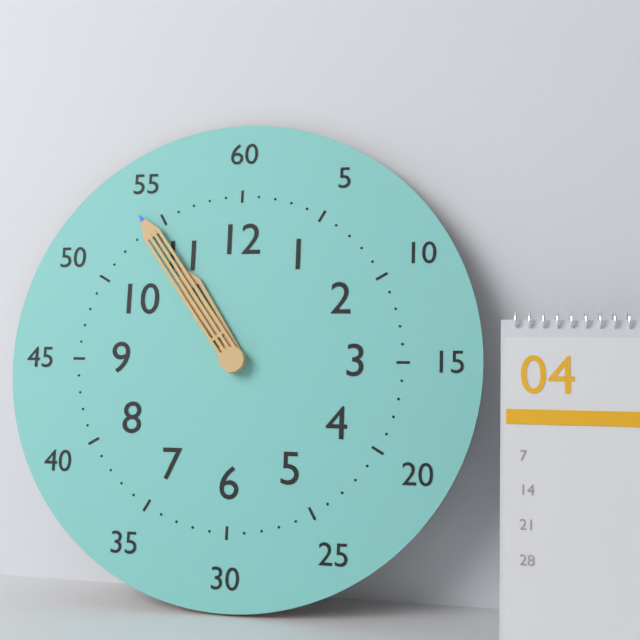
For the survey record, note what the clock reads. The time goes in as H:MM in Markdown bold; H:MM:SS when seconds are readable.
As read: **10:54**
